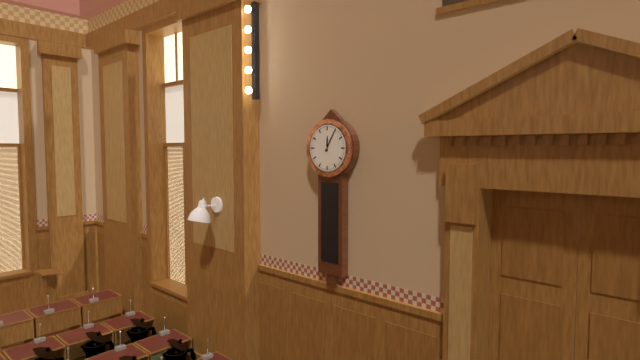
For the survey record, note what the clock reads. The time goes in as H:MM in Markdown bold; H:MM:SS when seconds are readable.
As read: **12:05**
